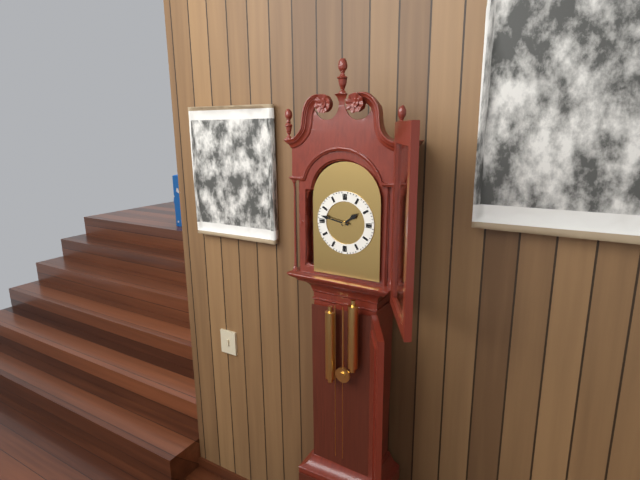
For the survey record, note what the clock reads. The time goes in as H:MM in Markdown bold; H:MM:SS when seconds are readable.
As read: **1:47**
